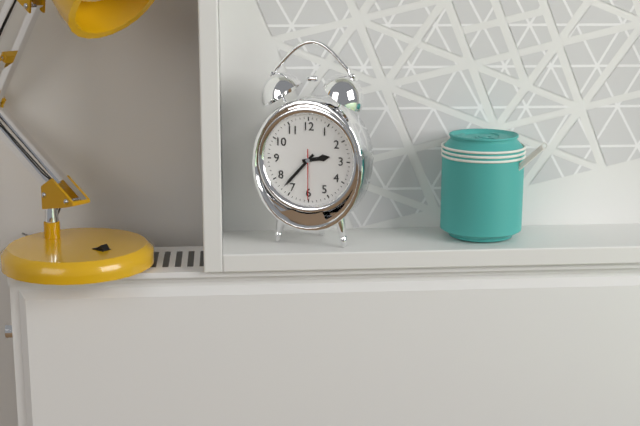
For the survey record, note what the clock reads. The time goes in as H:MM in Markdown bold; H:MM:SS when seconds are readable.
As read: **2:37**
